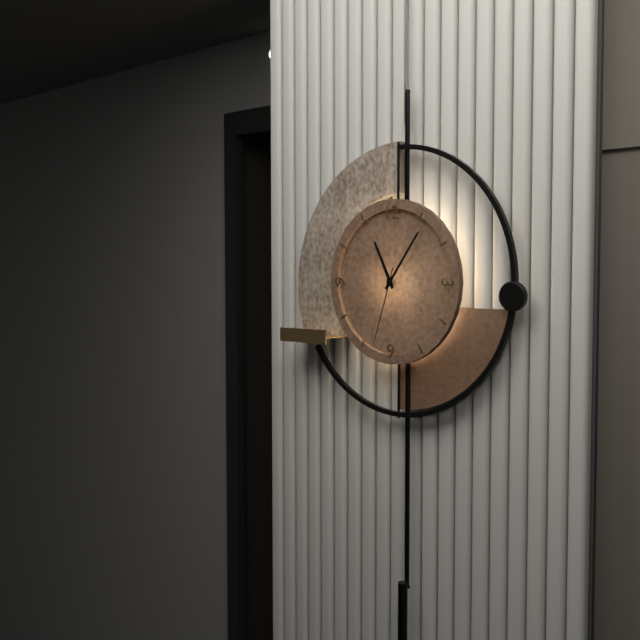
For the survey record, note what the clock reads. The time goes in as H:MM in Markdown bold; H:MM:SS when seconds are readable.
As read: **11:06:33**
